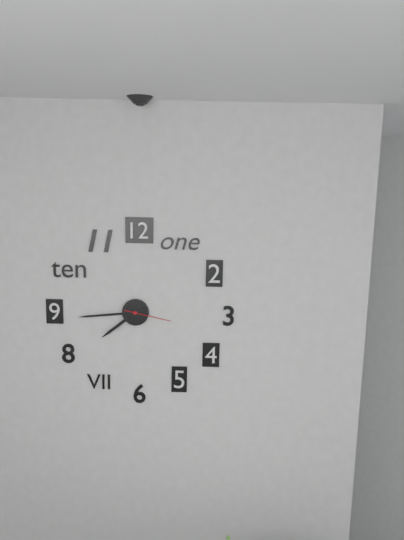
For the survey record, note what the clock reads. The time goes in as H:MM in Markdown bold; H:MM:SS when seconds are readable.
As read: **7:44**
